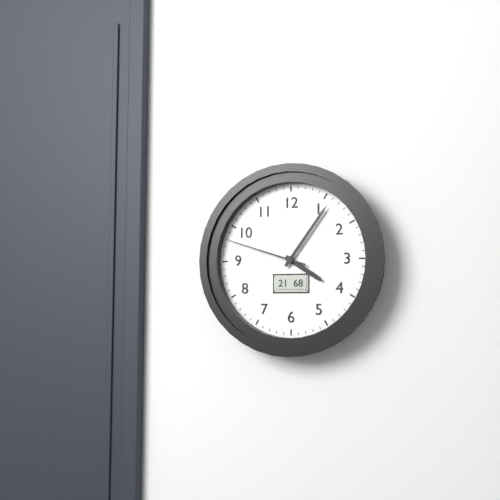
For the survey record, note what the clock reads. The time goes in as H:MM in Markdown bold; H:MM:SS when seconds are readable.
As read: **4:06:48**
